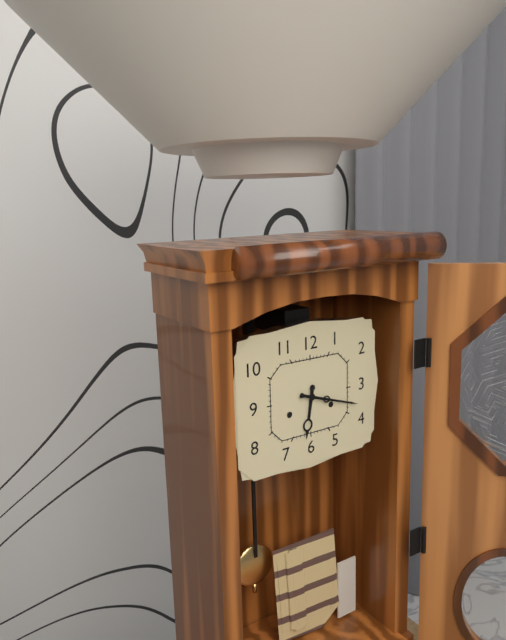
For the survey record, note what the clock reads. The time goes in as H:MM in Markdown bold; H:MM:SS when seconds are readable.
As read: **6:18**
